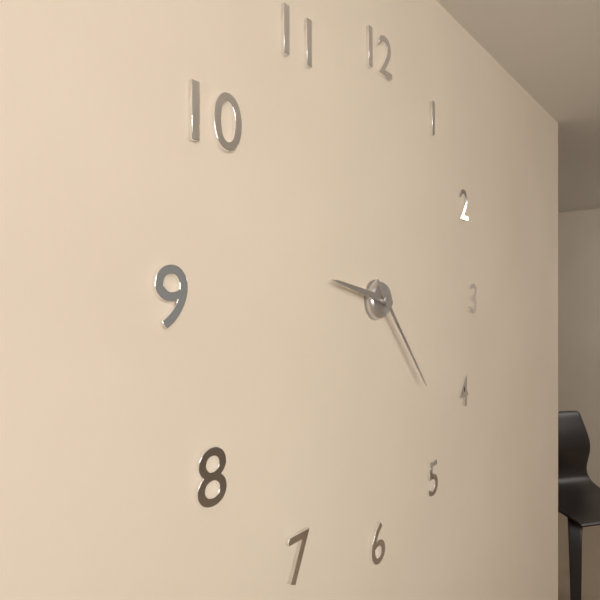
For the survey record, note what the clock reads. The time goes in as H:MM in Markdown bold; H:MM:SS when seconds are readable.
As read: **9:23**
